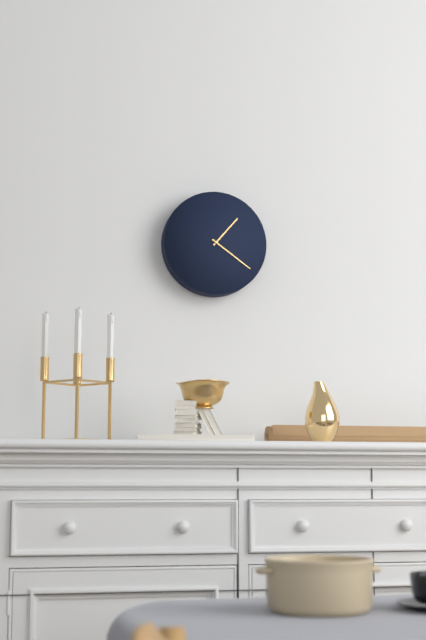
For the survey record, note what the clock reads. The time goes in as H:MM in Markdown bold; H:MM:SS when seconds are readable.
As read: **1:21**
